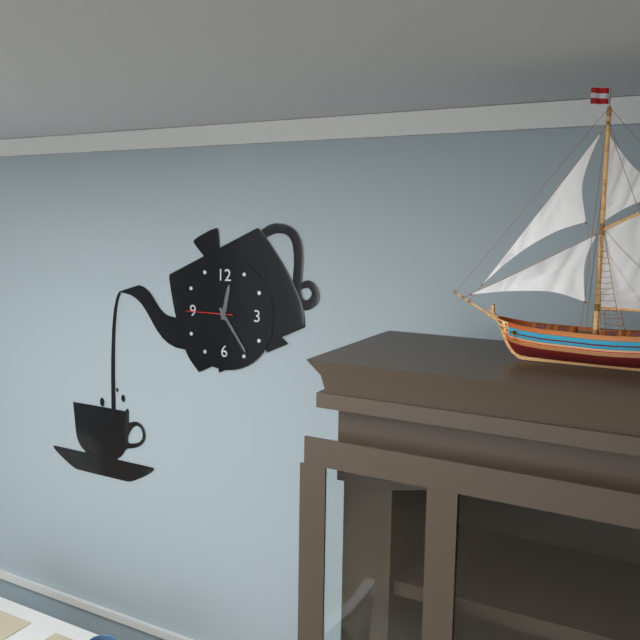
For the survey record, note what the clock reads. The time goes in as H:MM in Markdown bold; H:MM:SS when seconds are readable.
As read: **12:24**
